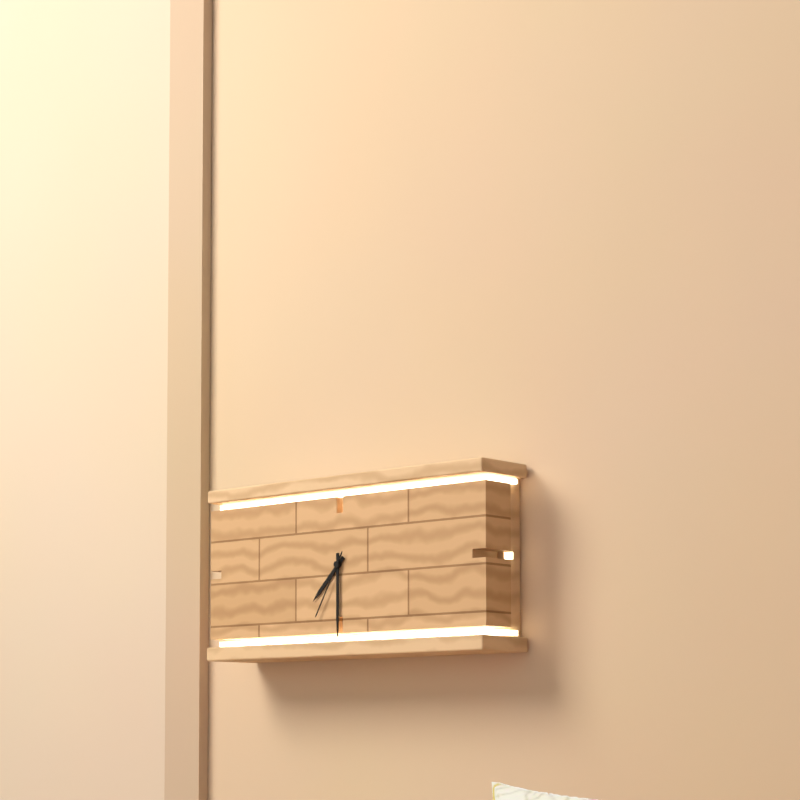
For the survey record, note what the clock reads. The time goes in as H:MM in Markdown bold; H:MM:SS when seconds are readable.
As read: **7:30:35**
